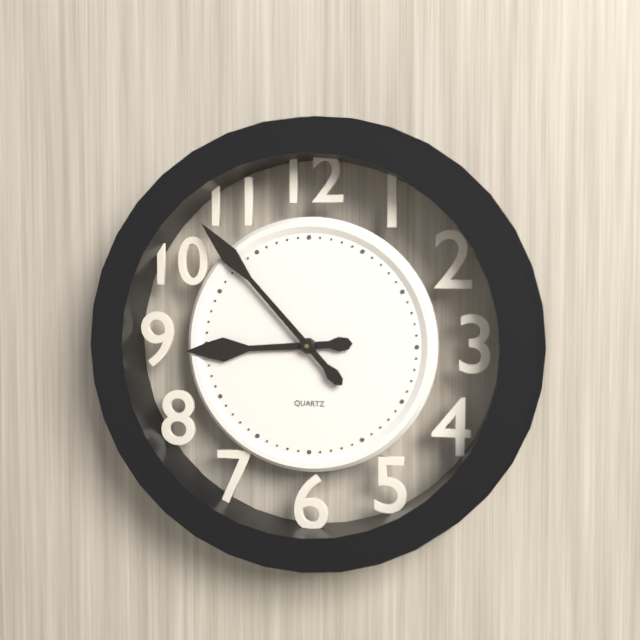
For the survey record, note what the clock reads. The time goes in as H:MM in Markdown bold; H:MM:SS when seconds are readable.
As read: **8:53**
